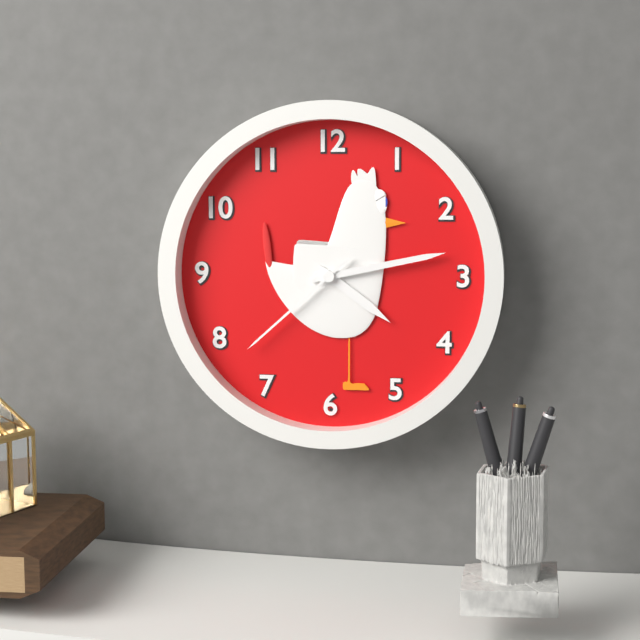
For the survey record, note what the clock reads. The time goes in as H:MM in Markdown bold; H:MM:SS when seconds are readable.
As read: **4:13:38**
